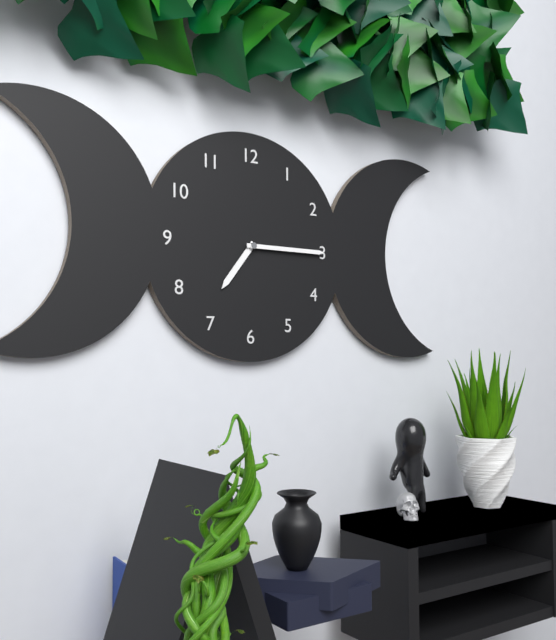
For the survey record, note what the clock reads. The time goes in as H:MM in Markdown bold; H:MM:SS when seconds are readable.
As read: **7:15**
